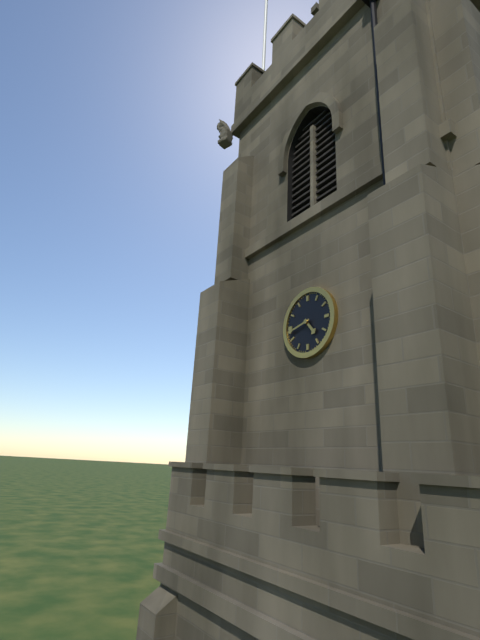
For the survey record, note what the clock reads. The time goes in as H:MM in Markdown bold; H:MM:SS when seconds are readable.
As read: **4:43**
